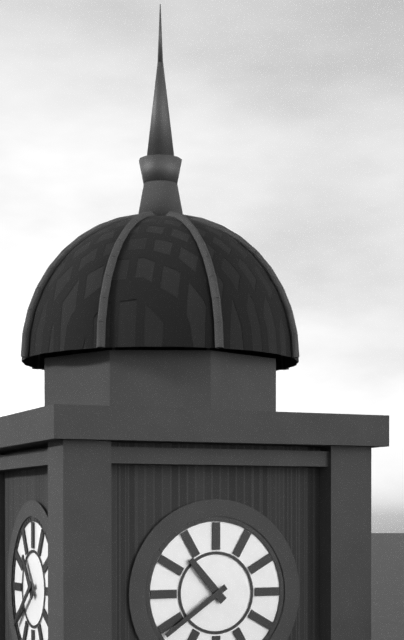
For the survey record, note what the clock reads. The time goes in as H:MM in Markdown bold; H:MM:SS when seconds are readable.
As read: **10:39**
